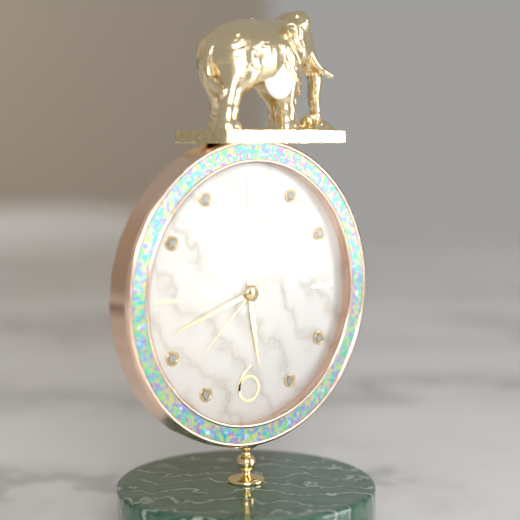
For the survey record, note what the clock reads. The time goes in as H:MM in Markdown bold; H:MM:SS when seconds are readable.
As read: **5:42:38**
